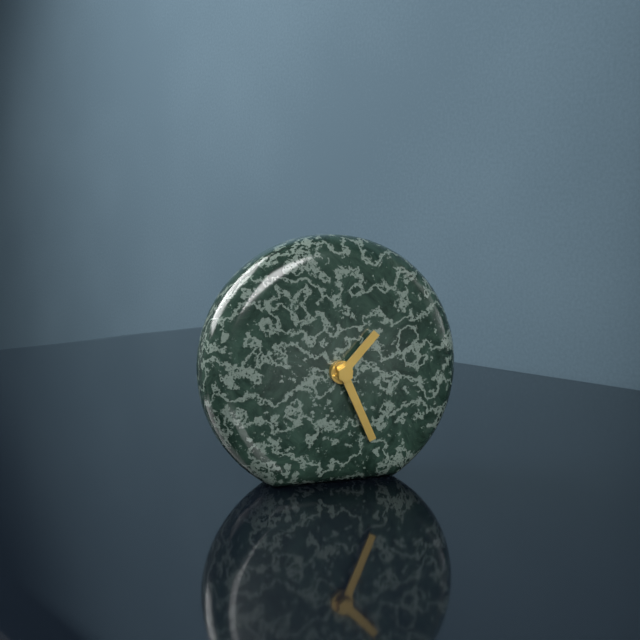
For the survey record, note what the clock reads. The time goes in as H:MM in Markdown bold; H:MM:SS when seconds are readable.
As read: **1:26**
